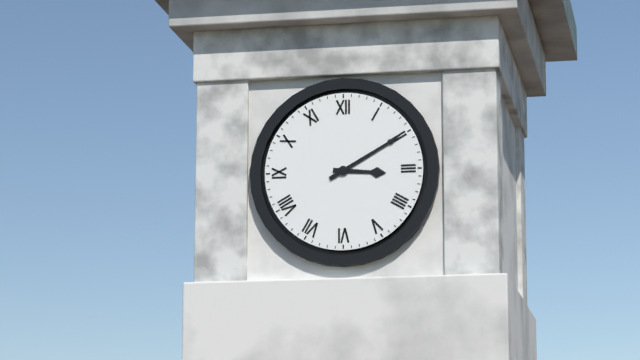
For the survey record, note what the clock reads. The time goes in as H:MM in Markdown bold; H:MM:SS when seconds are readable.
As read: **3:10**
